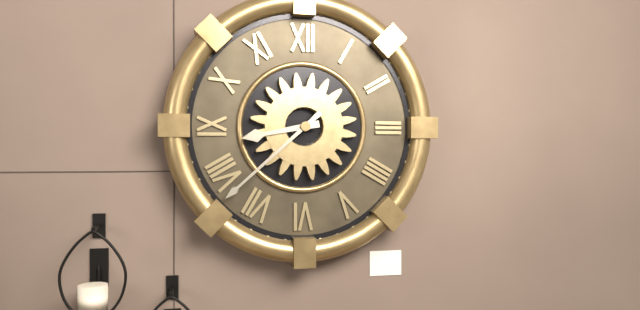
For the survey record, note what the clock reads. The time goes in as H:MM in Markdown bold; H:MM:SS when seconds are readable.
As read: **8:38**
